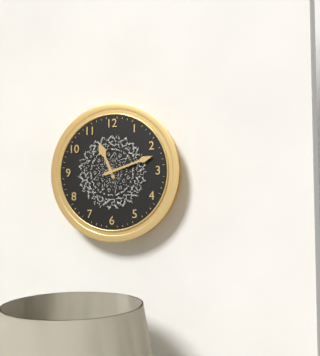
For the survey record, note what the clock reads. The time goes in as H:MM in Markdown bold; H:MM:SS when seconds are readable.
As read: **11:12**
